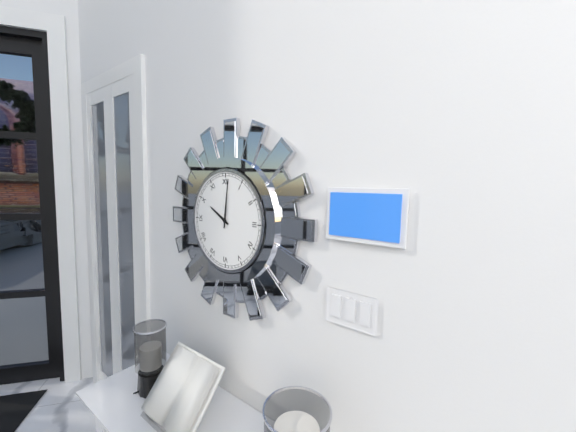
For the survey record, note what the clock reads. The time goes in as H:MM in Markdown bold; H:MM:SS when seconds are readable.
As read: **10:01**
